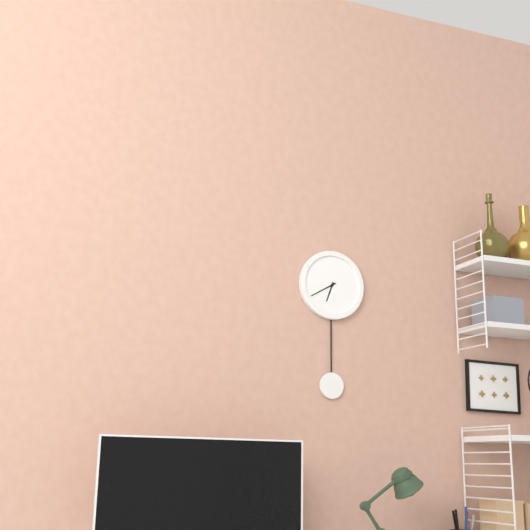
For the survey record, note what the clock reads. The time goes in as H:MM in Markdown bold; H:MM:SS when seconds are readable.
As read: **6:40**
